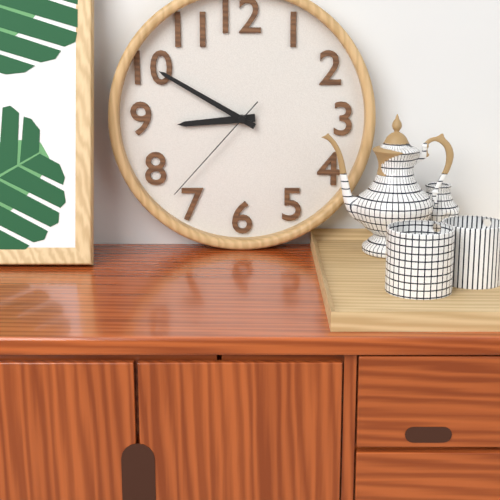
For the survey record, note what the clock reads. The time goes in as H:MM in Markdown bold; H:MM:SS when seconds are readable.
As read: **8:50:37**
